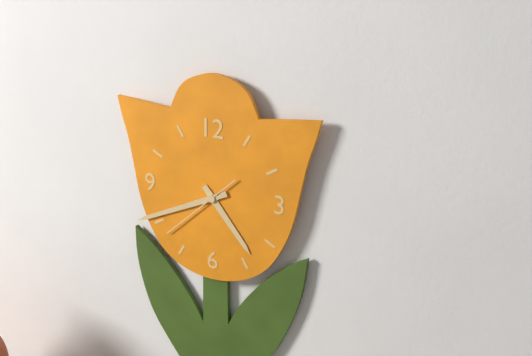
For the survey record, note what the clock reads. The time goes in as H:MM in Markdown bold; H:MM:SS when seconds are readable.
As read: **4:41:38**
